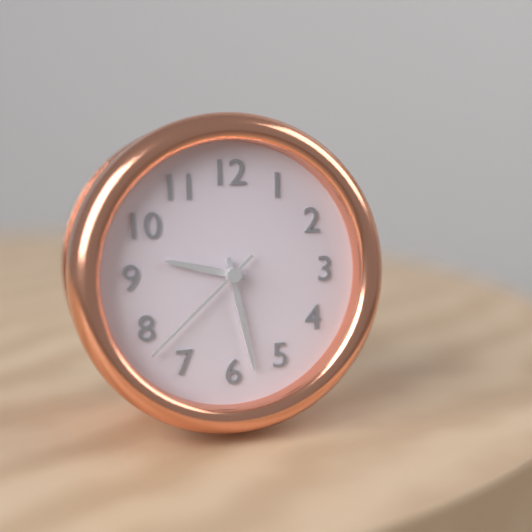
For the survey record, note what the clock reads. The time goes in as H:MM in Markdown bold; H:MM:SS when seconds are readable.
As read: **9:28:38**
